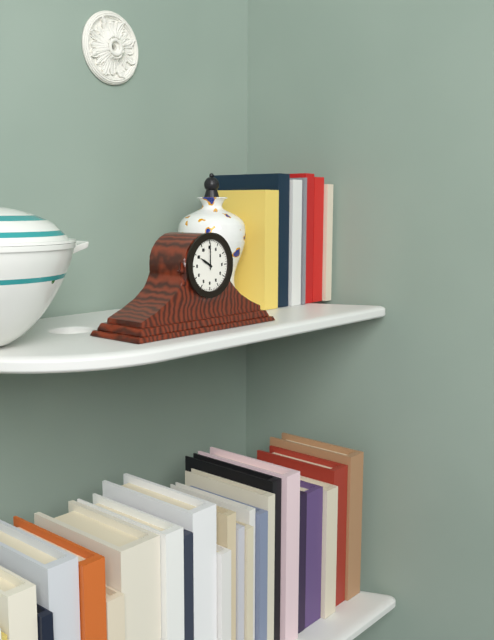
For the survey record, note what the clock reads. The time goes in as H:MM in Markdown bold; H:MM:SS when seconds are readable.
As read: **10:00**
